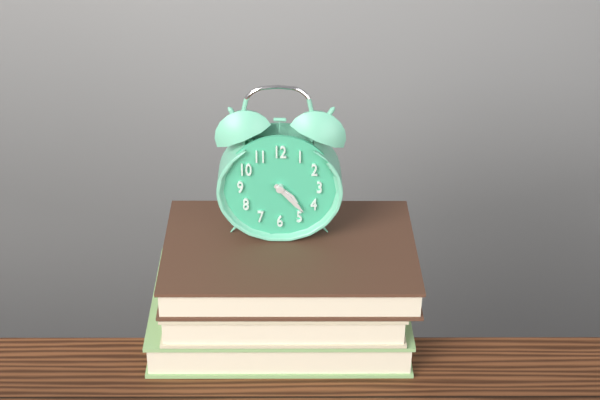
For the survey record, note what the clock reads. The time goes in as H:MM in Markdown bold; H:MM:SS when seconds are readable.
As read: **4:23**
